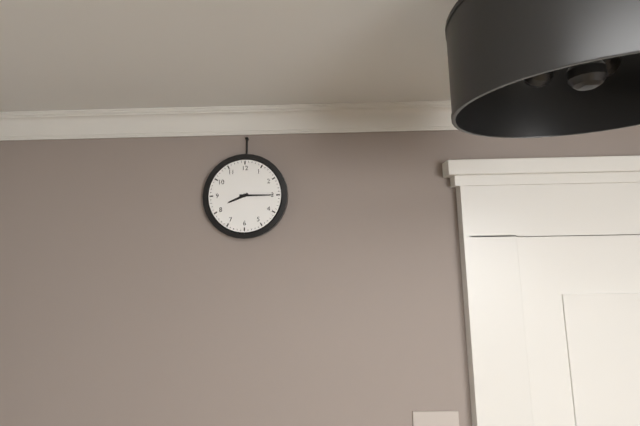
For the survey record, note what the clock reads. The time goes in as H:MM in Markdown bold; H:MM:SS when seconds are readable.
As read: **8:15**
